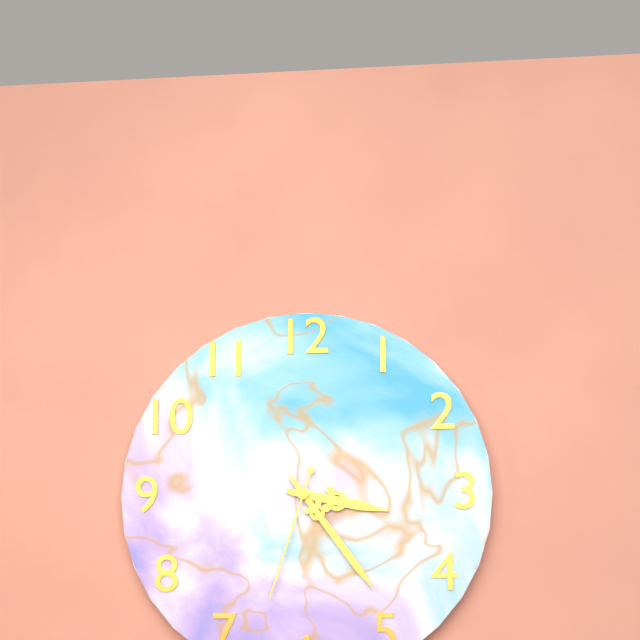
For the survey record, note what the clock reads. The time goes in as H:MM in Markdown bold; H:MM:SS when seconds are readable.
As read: **3:24:33**
